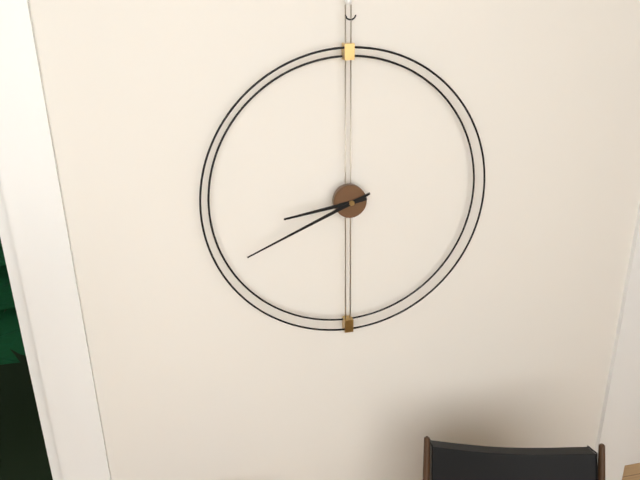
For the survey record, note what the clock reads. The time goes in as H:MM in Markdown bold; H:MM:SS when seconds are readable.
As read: **8:41**
